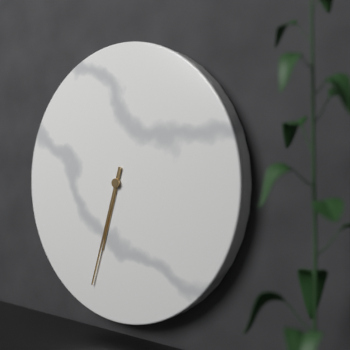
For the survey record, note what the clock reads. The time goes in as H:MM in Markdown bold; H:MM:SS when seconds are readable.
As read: **6:33**
